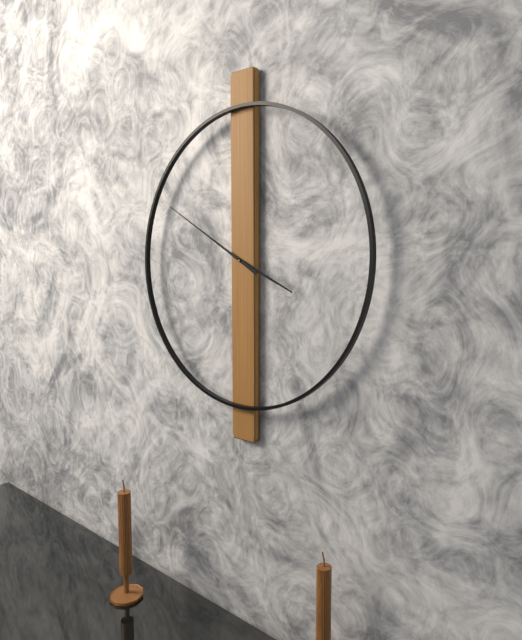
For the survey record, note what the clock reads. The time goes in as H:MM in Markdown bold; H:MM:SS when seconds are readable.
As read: **3:50**
